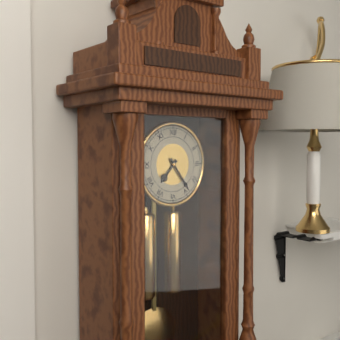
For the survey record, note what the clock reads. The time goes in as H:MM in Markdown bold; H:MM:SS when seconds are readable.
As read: **7:24**
